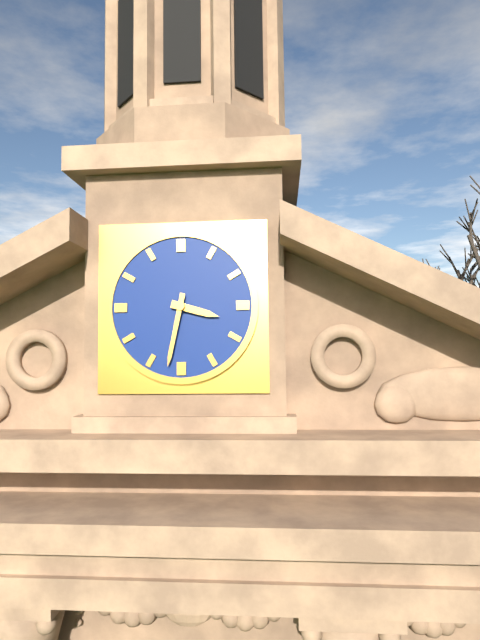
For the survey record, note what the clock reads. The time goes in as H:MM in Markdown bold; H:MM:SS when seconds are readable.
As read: **3:32**
